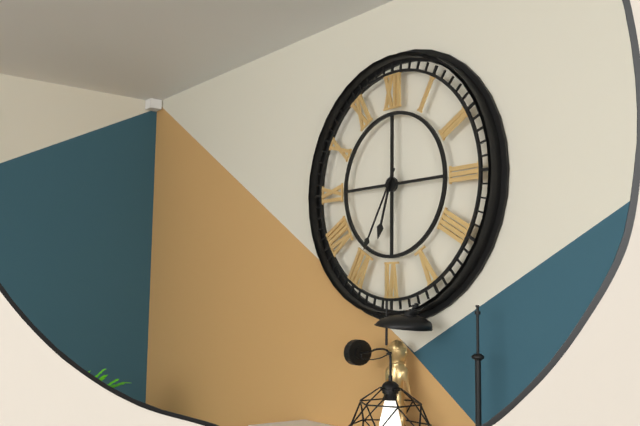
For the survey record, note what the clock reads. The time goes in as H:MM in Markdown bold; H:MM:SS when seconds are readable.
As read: **6:35**
